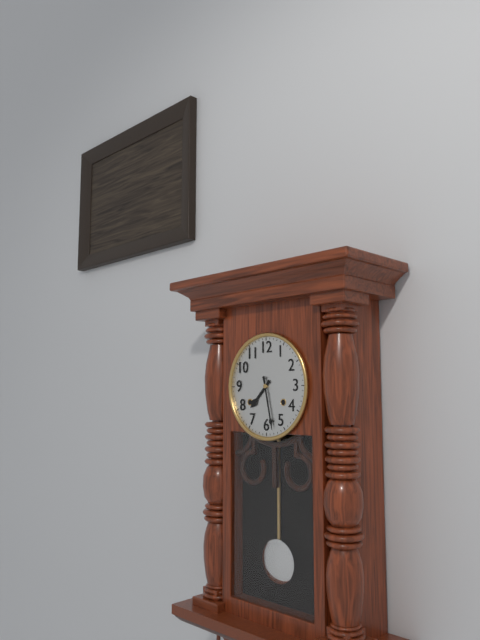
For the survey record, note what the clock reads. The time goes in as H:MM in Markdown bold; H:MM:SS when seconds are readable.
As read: **7:28**
